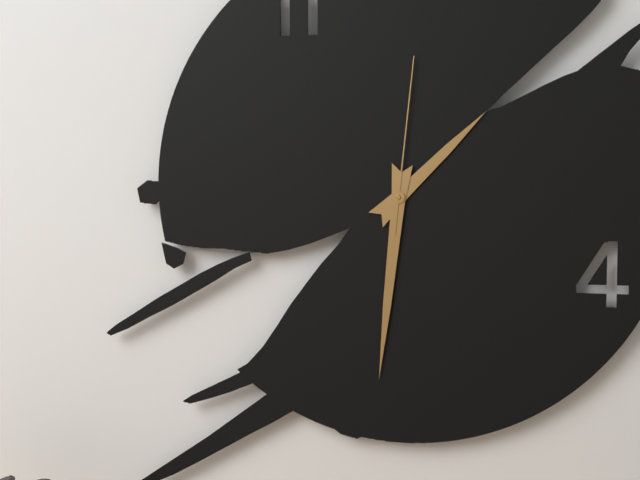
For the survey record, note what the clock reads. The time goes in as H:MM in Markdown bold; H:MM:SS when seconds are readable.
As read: **1:31:01**
